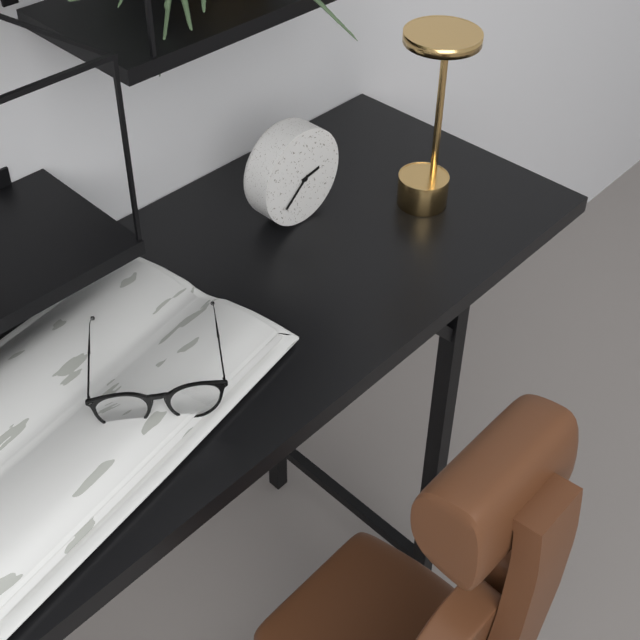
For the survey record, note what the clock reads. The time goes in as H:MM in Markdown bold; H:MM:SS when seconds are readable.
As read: **2:38**
